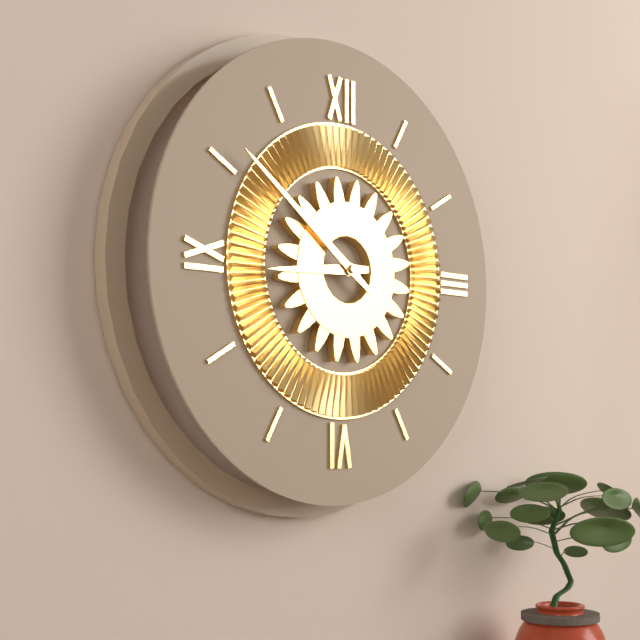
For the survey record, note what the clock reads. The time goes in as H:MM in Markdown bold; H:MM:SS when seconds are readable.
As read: **8:51**
